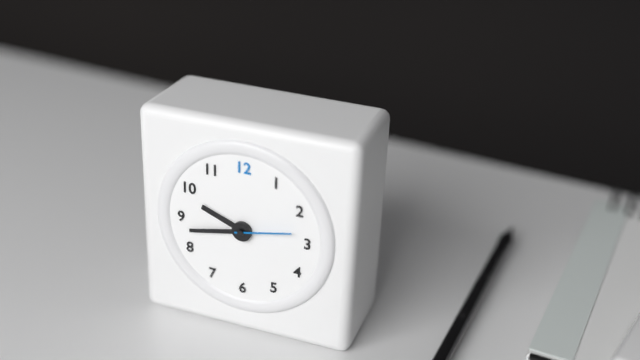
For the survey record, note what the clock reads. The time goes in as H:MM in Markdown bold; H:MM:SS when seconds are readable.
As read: **9:43:13**
